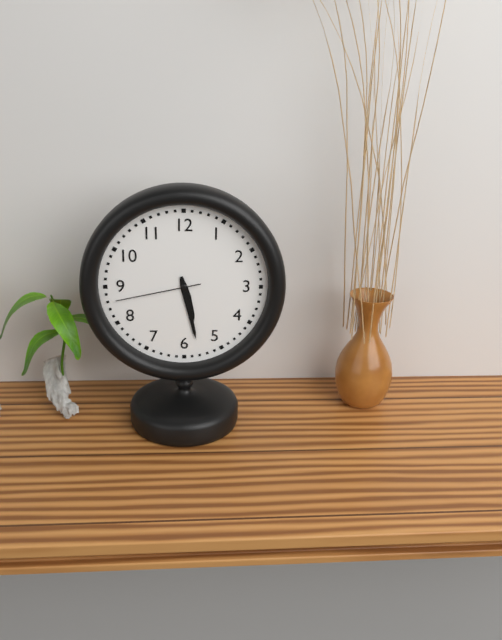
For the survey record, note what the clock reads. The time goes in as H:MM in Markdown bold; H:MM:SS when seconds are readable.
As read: **5:28:43**
